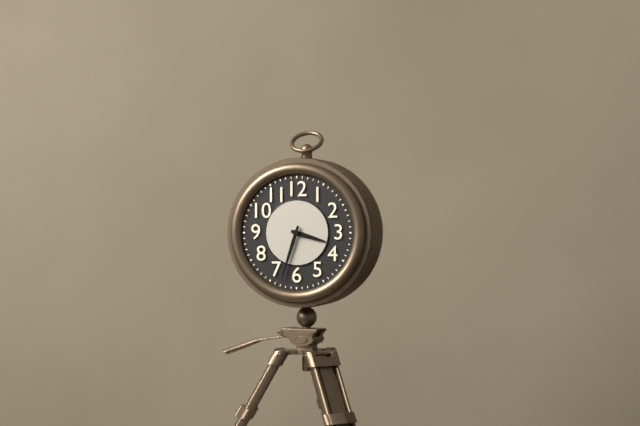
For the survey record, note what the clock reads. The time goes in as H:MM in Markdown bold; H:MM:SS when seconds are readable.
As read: **3:33**
